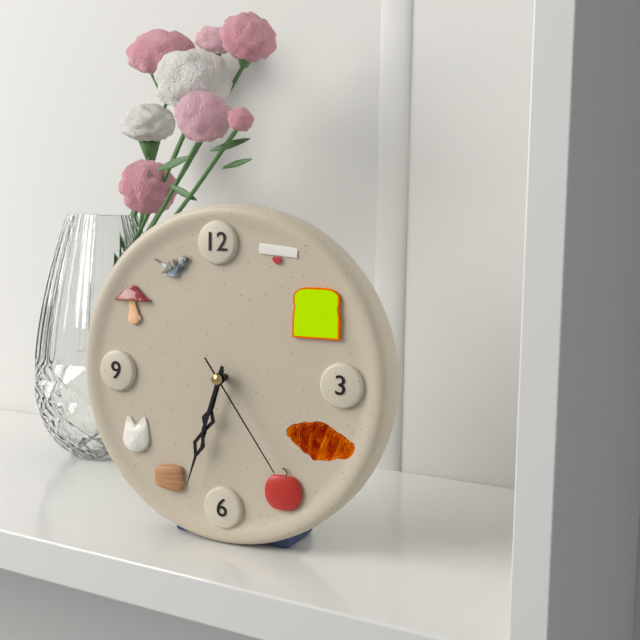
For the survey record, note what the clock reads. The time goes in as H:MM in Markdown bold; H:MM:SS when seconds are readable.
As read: **6:33:24**
